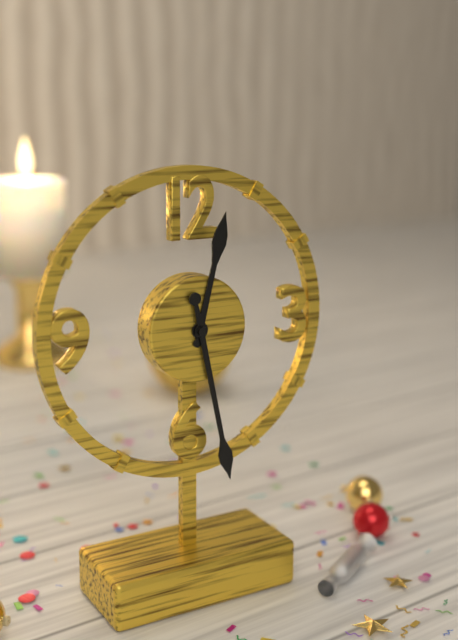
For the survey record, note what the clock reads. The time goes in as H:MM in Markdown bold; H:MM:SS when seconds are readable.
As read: **12:28**
